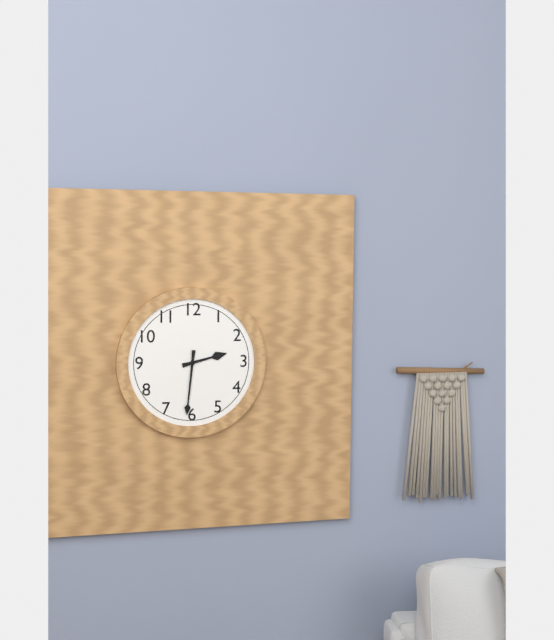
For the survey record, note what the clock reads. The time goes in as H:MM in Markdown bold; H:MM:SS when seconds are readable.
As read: **2:31**
